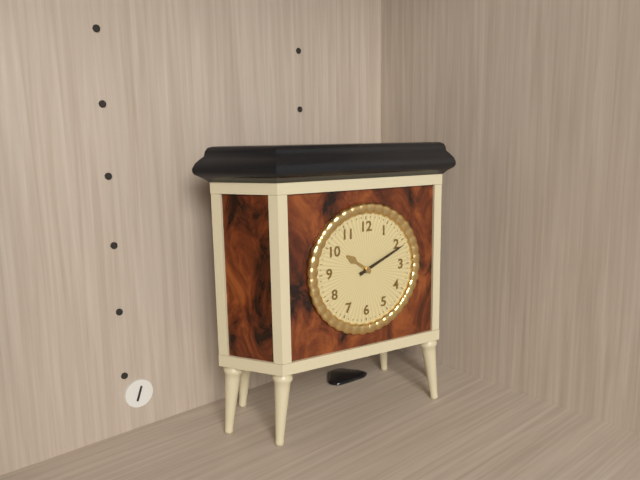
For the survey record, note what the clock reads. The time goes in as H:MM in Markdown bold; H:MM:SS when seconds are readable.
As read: **10:11**
